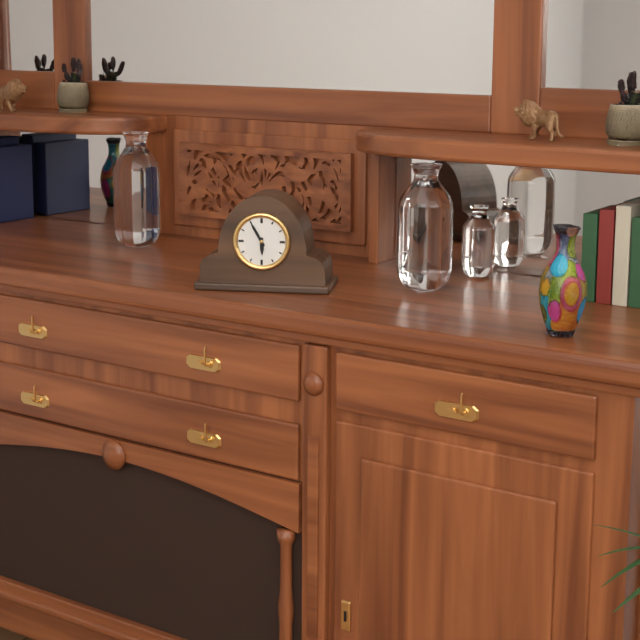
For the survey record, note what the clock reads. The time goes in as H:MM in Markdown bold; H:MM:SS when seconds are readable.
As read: **5:55**
